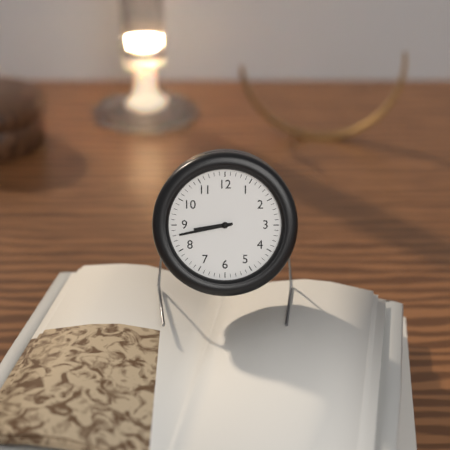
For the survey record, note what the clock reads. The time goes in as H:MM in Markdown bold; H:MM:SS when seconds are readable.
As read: **8:43**
